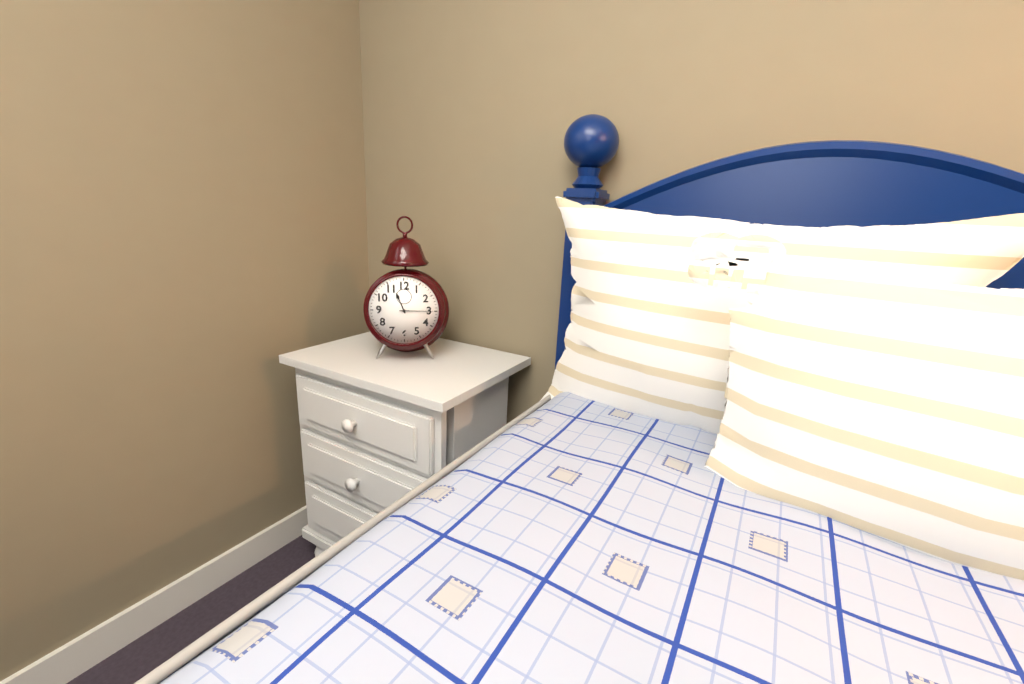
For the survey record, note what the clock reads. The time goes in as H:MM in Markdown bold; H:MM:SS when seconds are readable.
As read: **11:15**
